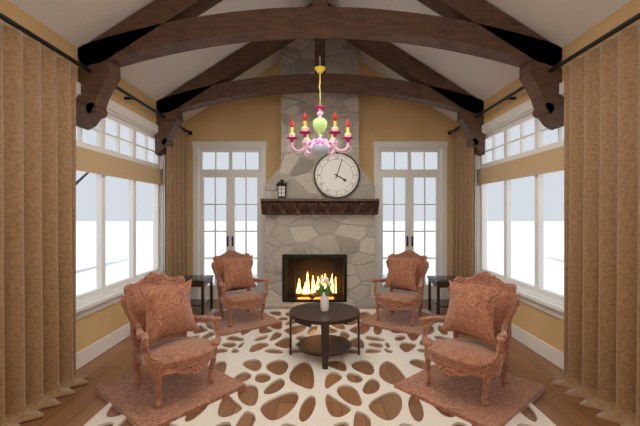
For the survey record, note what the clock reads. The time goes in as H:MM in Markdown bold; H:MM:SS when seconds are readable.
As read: **4:03**
